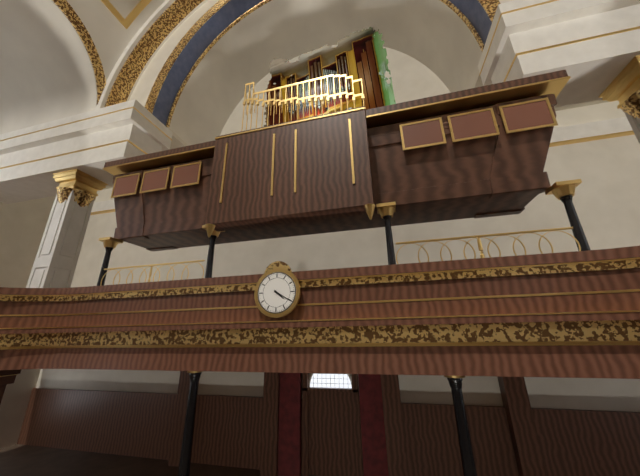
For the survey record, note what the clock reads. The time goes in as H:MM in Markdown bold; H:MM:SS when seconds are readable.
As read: **4:20**
